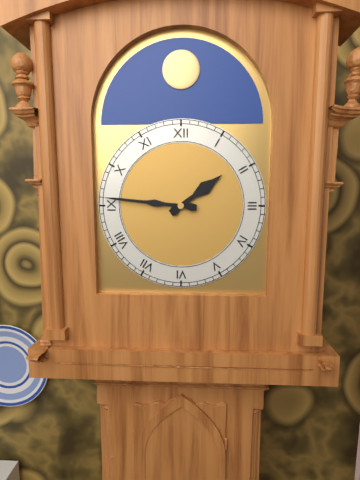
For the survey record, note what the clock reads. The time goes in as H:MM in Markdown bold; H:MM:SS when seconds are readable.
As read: **1:46**
